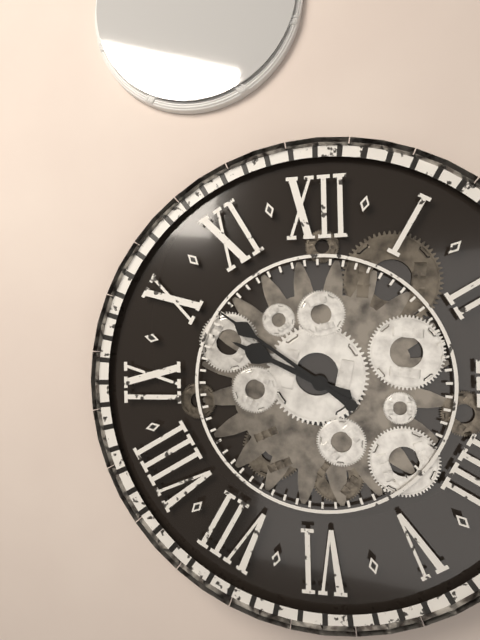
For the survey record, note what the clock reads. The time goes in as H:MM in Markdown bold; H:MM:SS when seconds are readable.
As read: **9:51**
